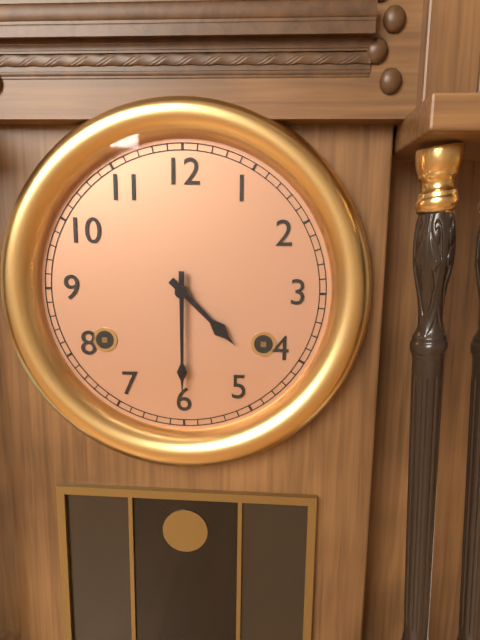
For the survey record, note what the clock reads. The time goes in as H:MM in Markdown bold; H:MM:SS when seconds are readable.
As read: **4:30**
